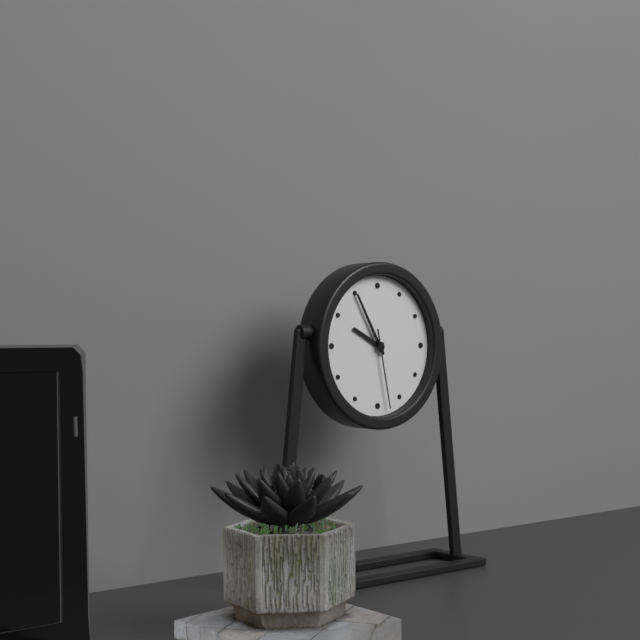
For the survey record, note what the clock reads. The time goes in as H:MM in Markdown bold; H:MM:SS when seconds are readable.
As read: **9:55:28**
